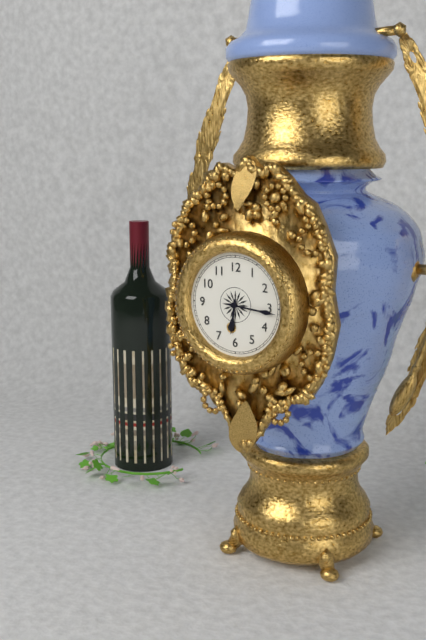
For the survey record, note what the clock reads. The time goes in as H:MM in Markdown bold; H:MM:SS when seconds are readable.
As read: **6:16**
